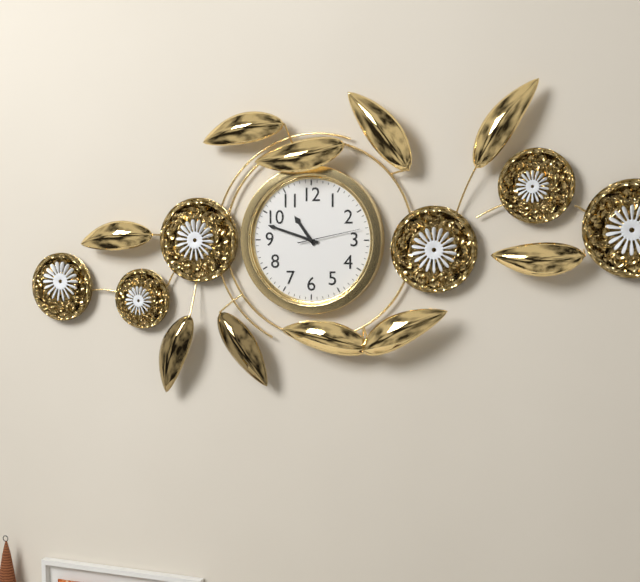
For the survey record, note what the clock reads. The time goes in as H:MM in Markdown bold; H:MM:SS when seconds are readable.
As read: **10:48:13**
